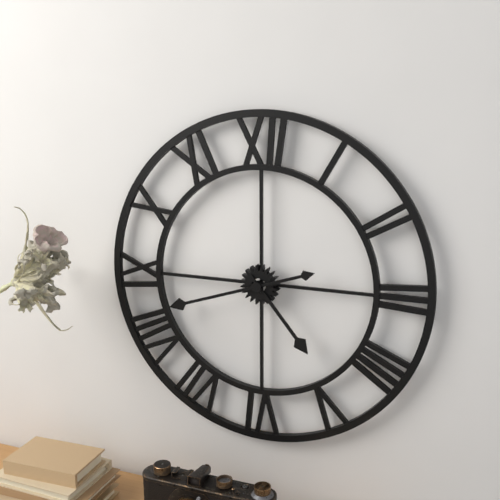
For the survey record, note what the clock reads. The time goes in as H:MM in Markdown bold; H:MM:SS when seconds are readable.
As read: **4:42**
